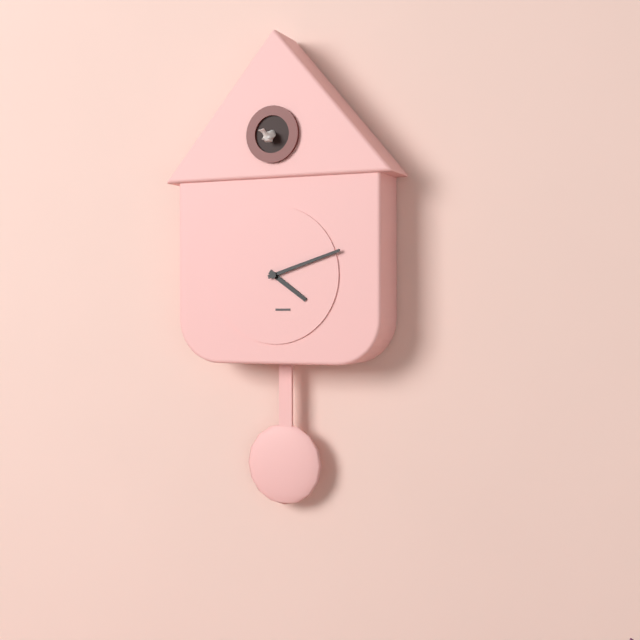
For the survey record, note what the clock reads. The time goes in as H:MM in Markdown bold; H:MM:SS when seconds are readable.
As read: **4:12**
